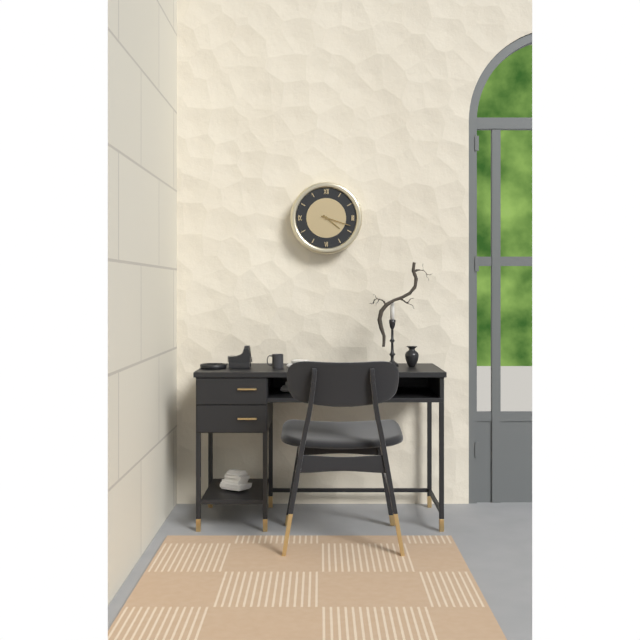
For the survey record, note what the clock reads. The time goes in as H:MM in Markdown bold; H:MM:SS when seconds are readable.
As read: **4:18**
